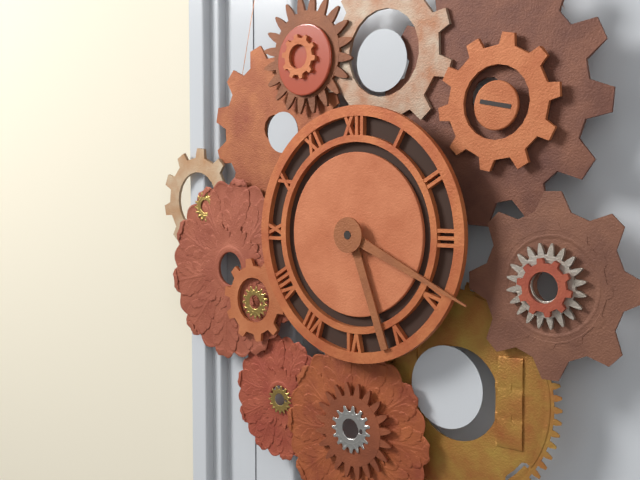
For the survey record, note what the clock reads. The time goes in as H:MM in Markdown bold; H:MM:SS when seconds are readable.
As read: **5:19**
